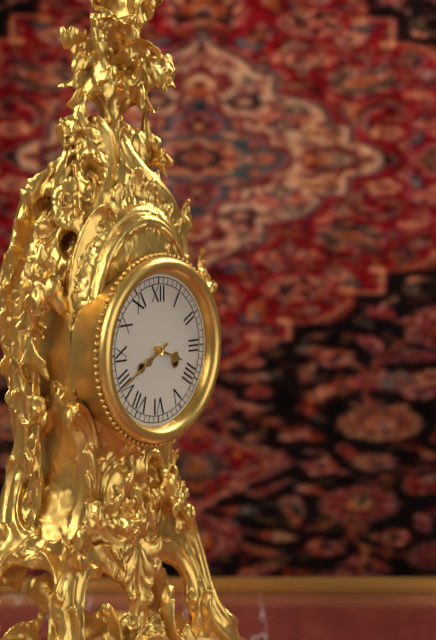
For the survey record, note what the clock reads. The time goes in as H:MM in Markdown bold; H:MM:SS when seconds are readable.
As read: **3:40**
